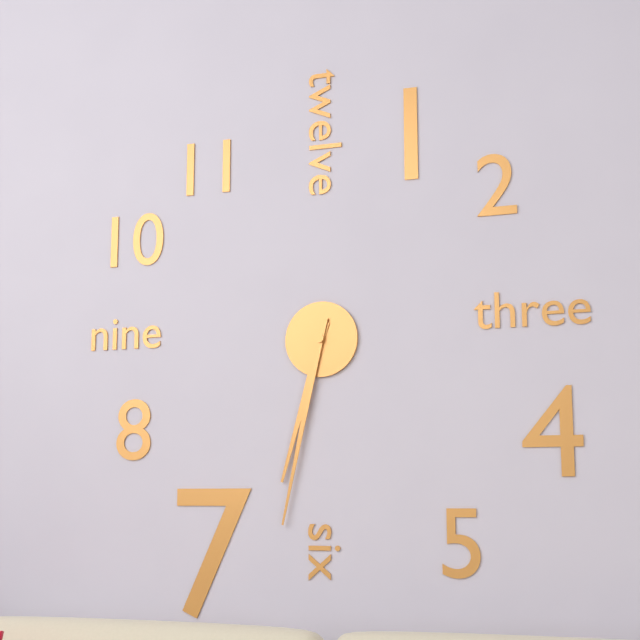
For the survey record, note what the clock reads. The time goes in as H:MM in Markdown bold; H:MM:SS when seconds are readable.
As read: **6:32**
